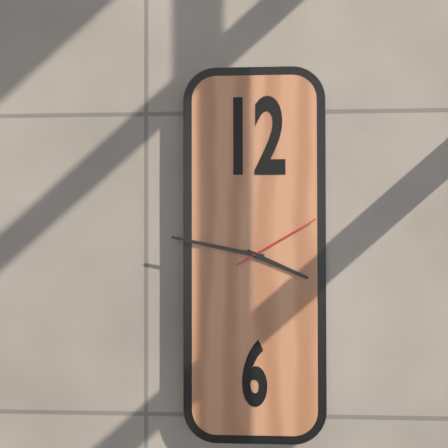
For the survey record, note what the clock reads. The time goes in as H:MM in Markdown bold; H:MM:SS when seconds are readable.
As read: **3:47:10**
